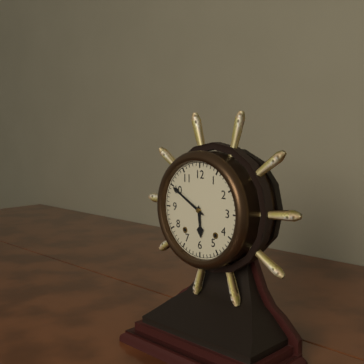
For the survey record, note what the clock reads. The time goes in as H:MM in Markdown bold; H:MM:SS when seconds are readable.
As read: **5:50**
